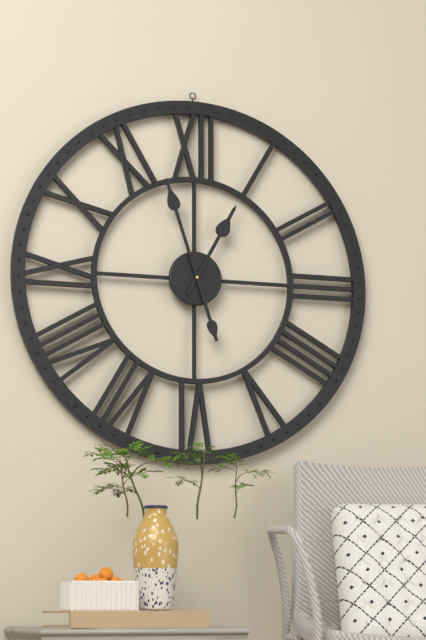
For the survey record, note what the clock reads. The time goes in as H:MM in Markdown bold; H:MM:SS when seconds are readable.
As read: **12:57**
